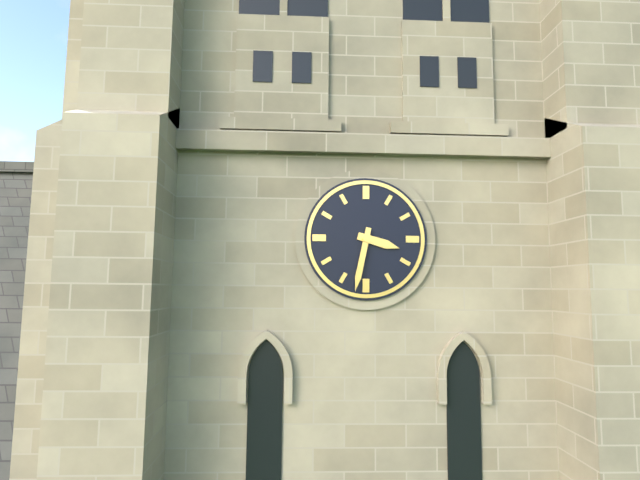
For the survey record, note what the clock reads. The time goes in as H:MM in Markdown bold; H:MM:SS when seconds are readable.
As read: **3:32**
